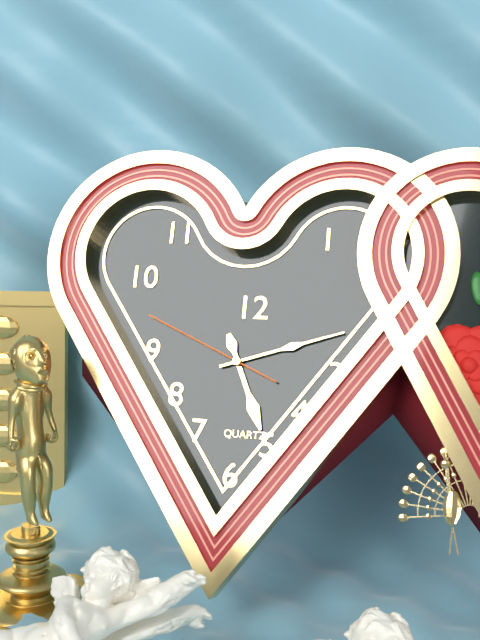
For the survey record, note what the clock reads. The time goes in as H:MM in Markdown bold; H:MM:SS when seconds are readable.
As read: **5:12:49**
